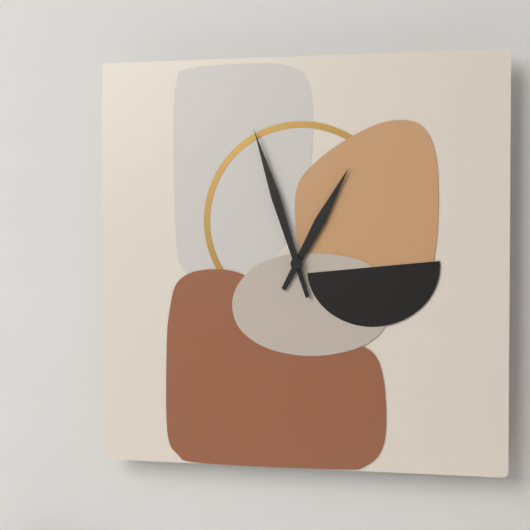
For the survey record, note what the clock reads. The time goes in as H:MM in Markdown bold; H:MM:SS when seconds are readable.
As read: **12:57**
